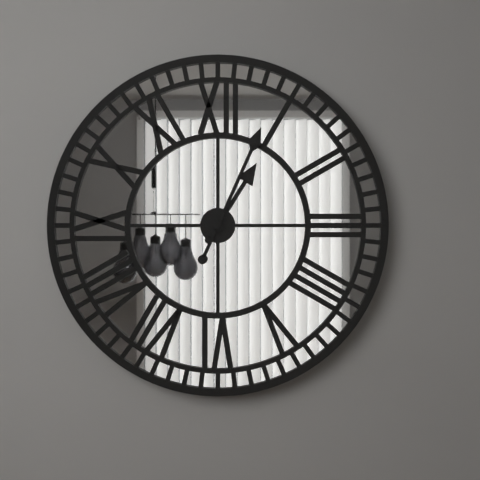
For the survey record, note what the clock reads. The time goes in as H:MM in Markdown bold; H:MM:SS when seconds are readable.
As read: **1:04**
